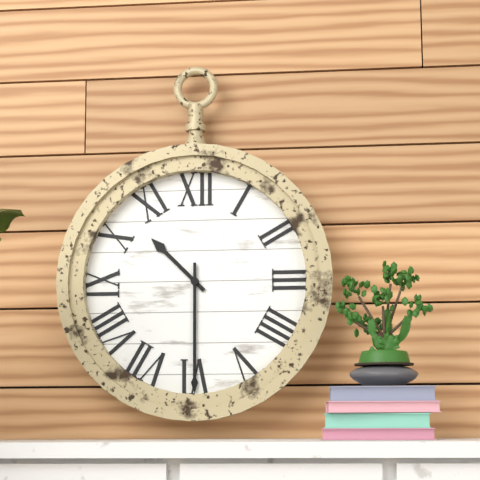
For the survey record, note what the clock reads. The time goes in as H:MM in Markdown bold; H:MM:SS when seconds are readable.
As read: **10:30**
